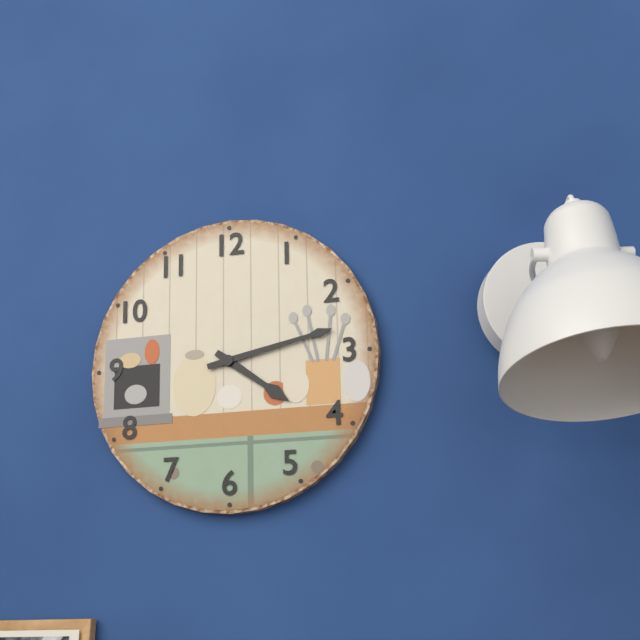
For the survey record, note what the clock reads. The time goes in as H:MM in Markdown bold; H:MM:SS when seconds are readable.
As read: **4:13**
